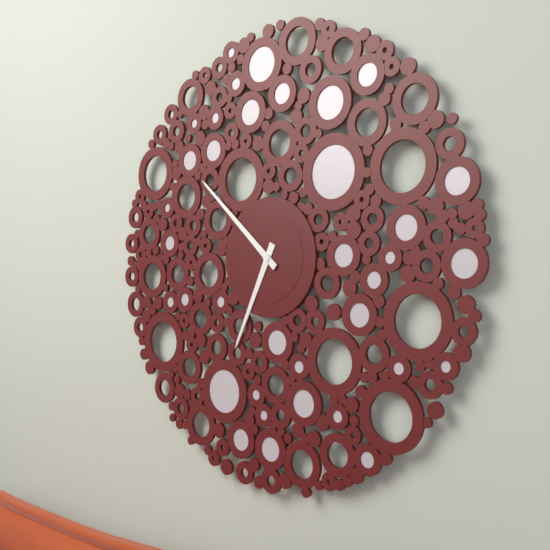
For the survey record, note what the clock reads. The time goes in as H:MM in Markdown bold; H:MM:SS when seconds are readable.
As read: **6:52**
